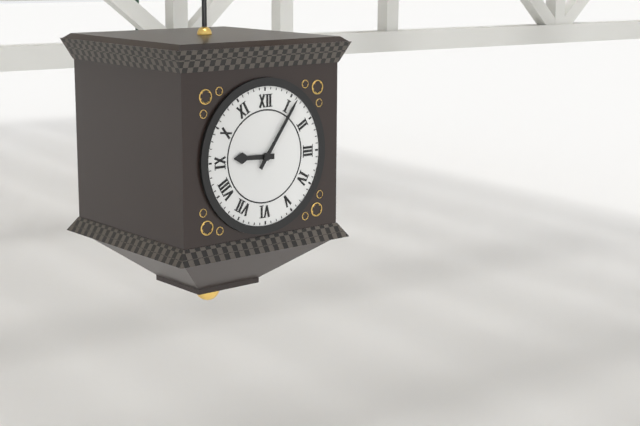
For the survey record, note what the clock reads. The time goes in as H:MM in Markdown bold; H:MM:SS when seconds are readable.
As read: **9:06**
